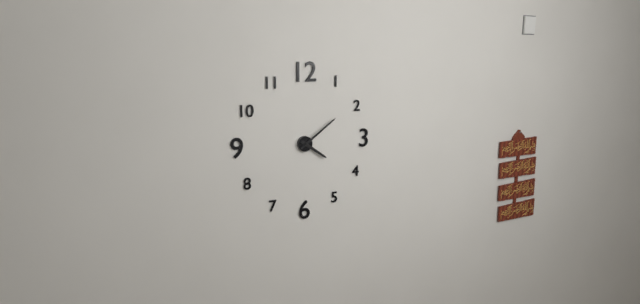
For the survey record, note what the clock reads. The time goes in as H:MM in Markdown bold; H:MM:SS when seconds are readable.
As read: **4:09**
